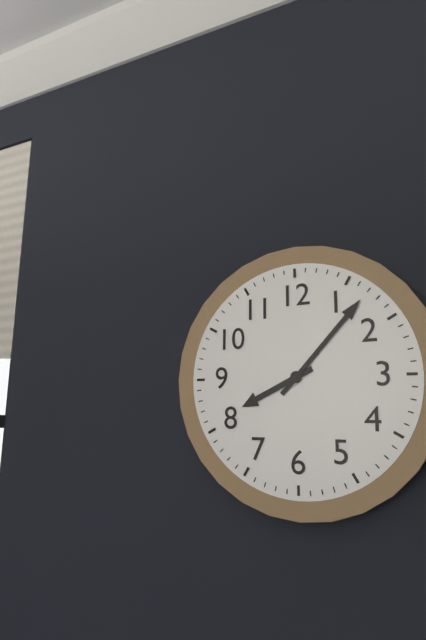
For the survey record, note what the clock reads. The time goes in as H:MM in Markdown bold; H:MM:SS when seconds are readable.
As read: **8:07**
